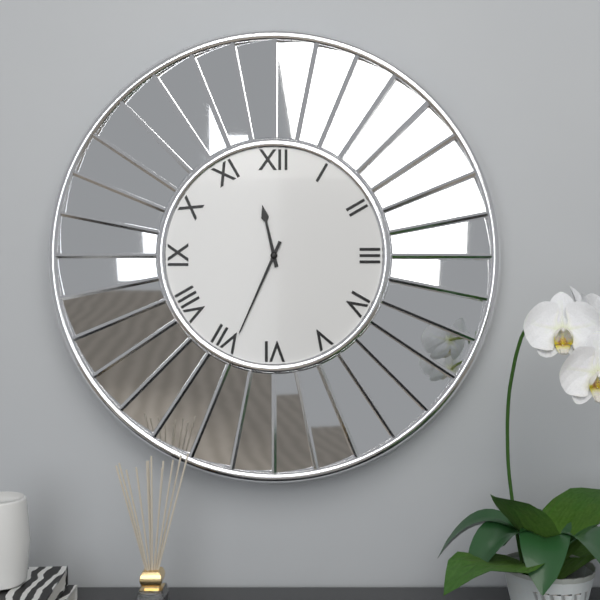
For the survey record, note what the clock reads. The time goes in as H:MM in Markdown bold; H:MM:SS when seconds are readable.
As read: **11:34**
